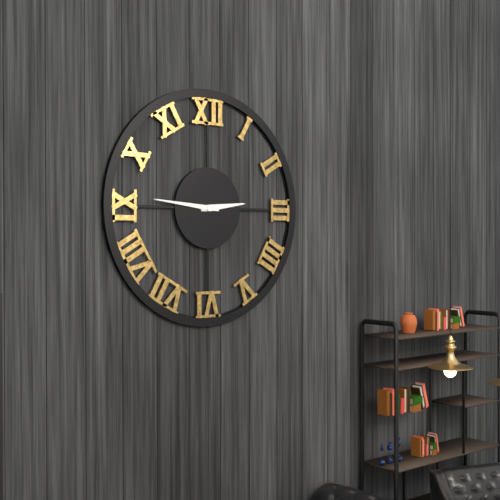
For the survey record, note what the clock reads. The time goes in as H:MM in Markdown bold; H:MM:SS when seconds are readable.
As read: **2:46**
